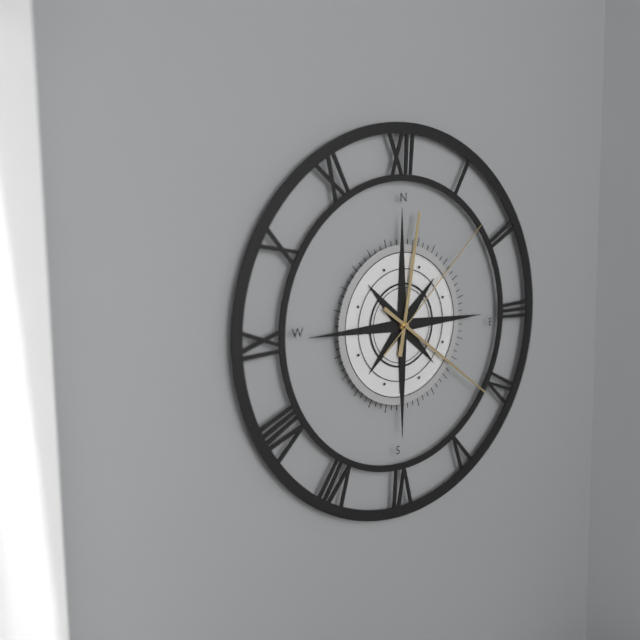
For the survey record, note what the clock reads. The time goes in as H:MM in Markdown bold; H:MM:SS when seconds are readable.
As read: **12:21:08**
